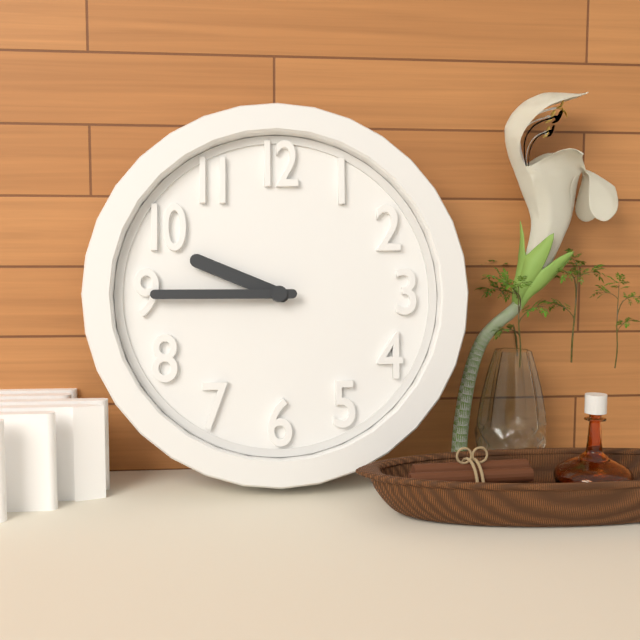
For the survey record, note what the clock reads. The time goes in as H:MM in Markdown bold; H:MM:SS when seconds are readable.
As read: **9:45**
